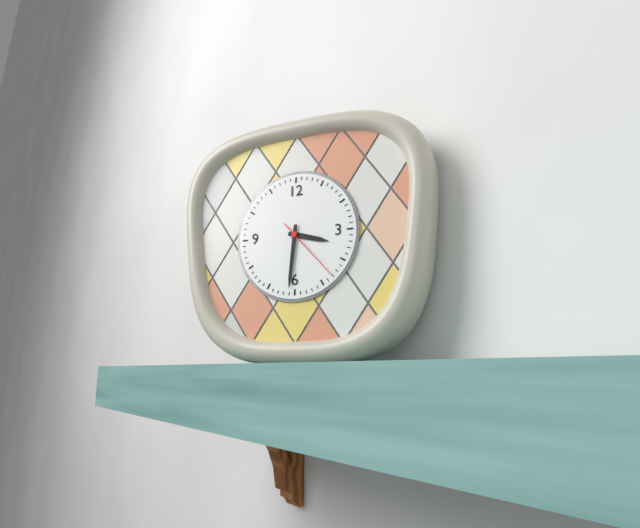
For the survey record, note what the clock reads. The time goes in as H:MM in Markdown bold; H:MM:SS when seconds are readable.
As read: **3:31**
